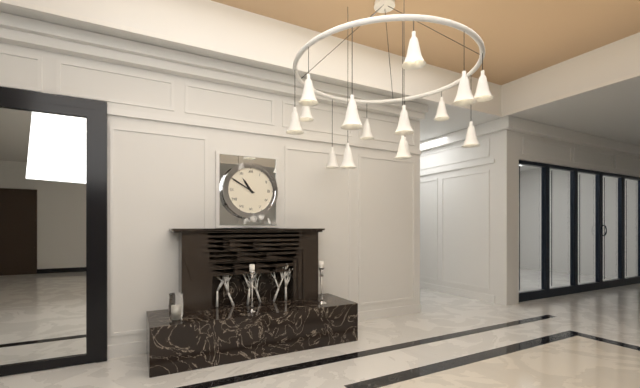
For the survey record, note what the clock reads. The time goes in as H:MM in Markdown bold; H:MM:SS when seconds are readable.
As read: **10:50**
